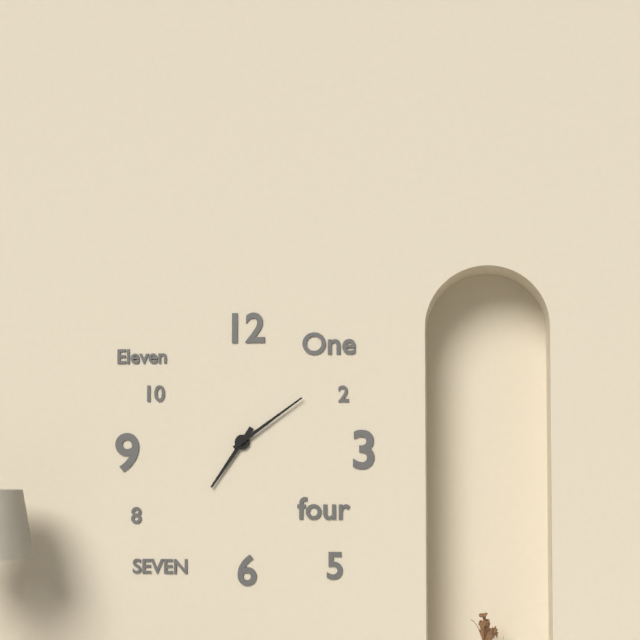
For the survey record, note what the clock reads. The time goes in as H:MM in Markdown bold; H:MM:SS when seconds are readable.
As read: **7:09**
